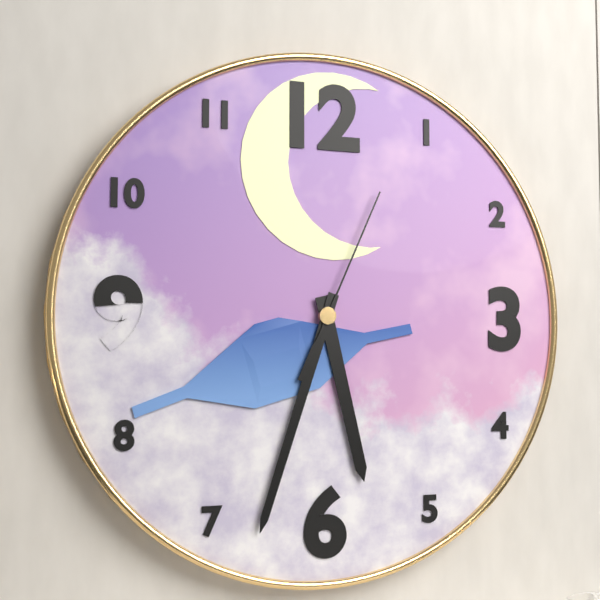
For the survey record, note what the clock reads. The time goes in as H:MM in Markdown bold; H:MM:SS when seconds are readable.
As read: **5:33:04**
